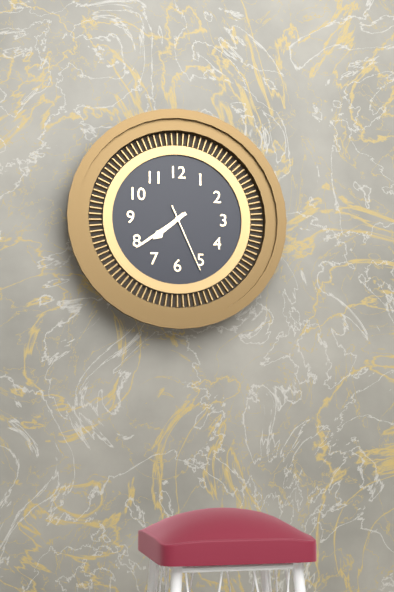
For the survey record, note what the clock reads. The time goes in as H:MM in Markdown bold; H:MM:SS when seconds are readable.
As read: **7:39:26**
